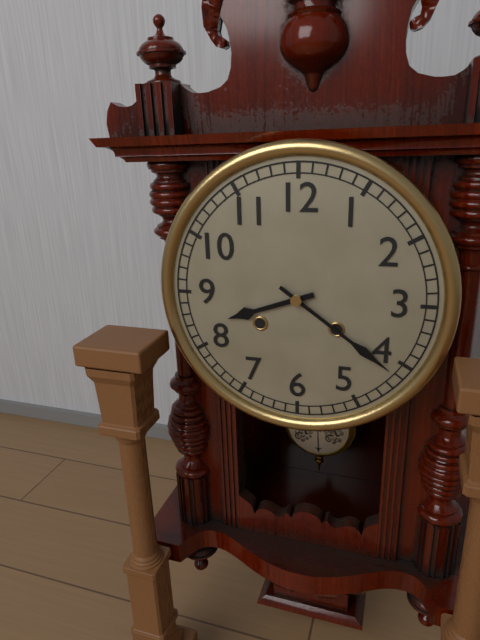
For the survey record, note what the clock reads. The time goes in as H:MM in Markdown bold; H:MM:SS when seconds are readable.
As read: **8:21**
